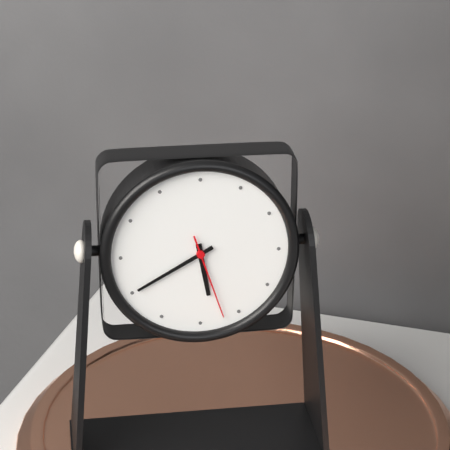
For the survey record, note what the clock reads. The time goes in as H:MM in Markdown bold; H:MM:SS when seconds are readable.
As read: **5:40:27**
